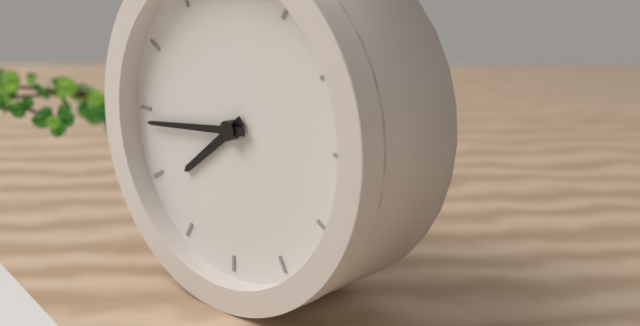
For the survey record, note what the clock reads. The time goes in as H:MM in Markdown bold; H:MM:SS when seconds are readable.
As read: **7:44**
